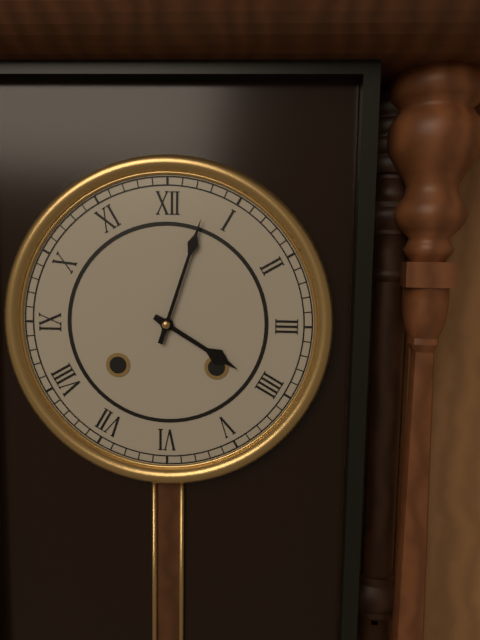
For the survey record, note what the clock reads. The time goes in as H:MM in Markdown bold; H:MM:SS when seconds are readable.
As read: **4:03**
